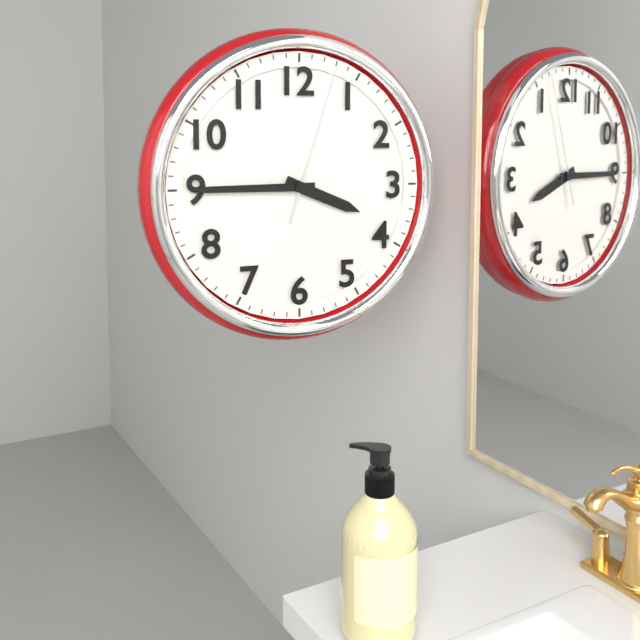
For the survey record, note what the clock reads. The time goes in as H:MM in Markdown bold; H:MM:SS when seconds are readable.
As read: **3:45:03**
